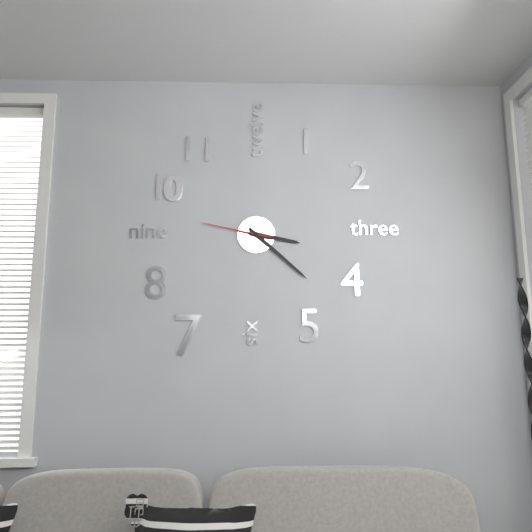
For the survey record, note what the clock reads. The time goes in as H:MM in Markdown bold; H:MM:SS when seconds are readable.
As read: **3:22:47**
